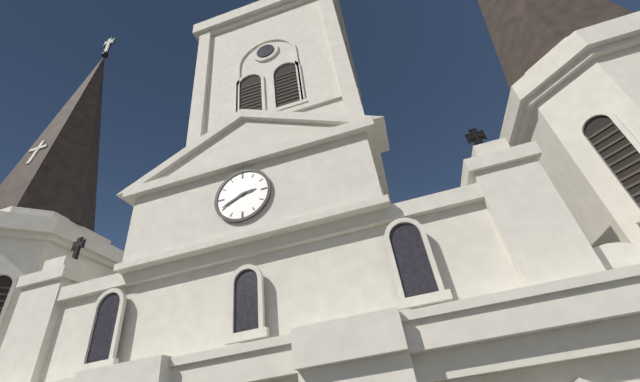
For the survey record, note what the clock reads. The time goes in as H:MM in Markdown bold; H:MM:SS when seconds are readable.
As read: **2:41**
